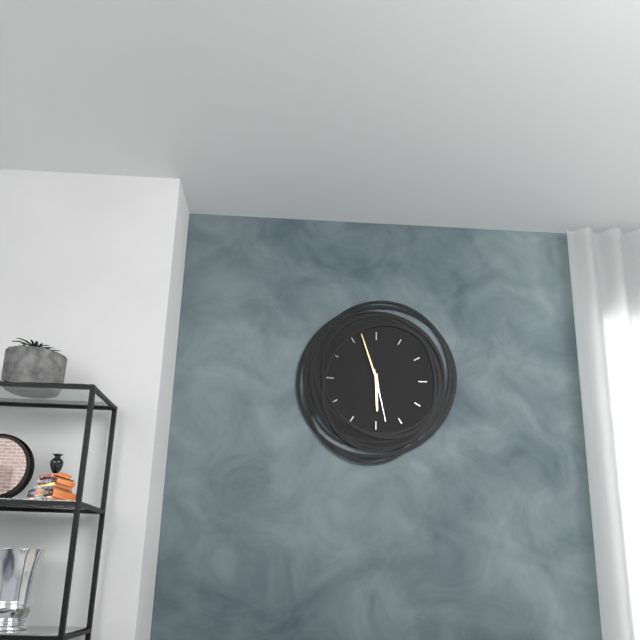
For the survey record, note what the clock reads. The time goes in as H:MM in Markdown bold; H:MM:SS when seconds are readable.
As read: **5:57:28**
